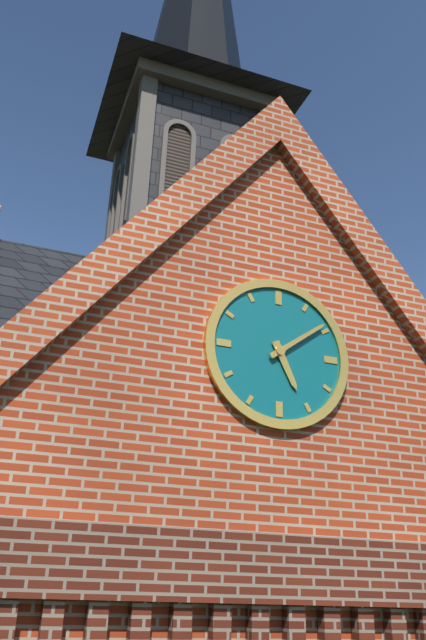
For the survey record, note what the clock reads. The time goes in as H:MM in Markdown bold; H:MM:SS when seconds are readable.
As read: **5:09**
